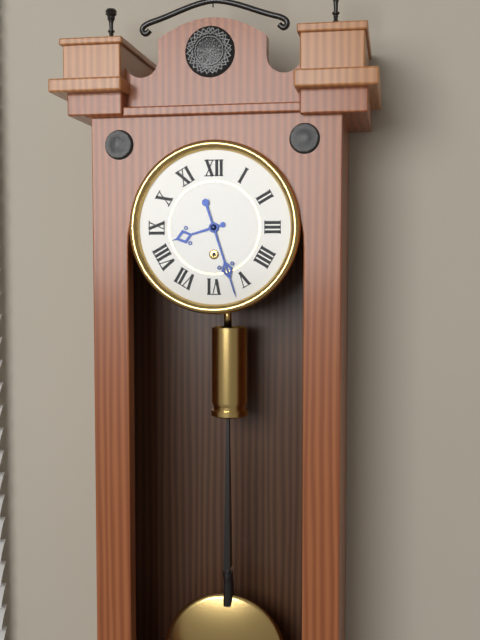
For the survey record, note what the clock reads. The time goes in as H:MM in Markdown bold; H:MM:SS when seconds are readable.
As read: **8:27**
